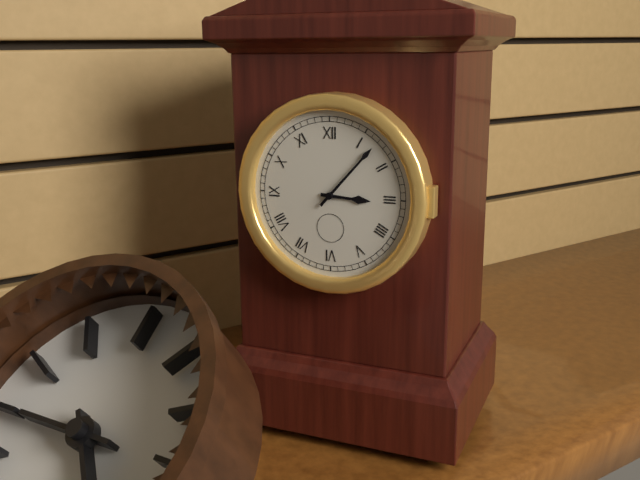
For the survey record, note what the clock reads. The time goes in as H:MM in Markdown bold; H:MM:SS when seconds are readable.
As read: **3:07**
